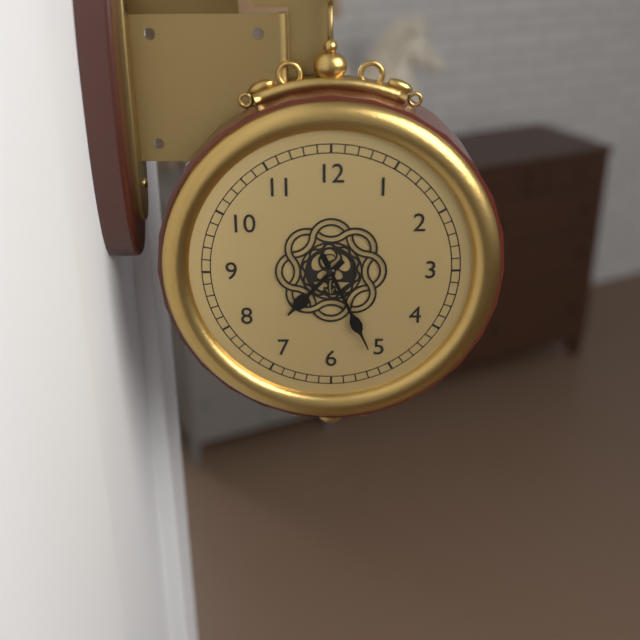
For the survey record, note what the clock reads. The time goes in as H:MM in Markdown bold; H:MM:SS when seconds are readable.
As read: **7:26**
